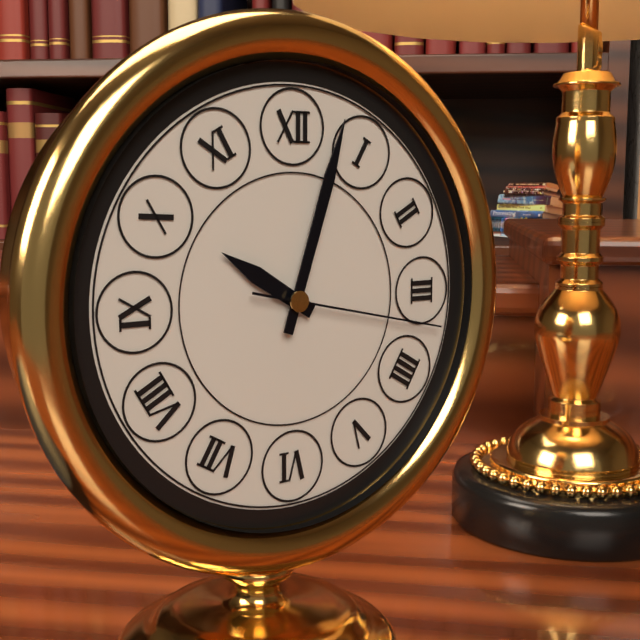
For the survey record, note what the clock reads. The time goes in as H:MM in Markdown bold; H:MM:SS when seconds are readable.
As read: **10:03:17**
